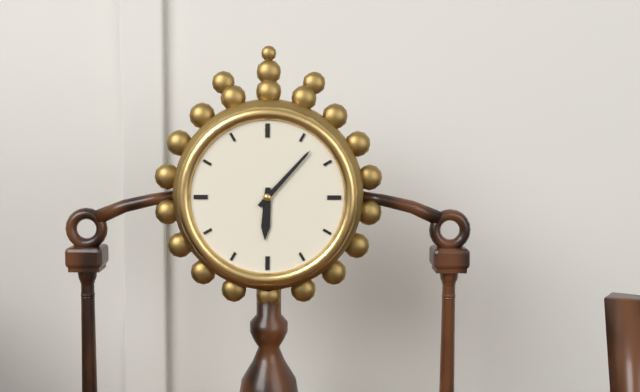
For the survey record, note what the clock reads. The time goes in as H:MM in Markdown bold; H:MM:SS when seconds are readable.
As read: **6:07**
